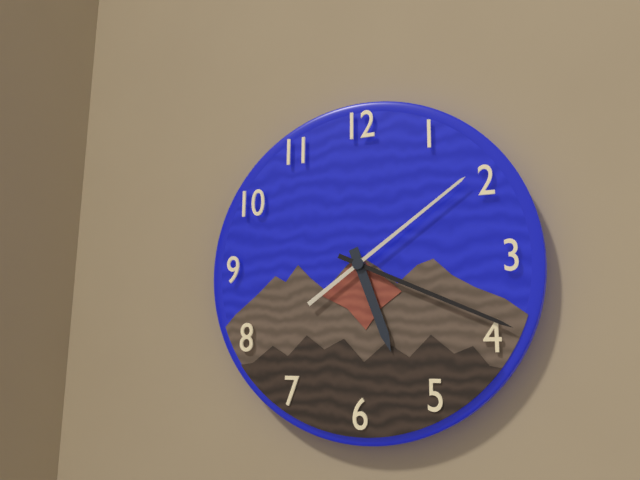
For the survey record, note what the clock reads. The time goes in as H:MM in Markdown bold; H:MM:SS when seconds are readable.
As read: **5:19:09**
